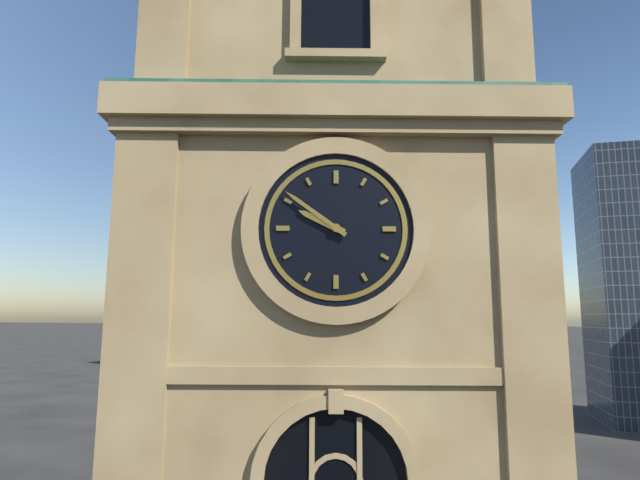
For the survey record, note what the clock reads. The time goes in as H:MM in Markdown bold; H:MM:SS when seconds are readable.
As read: **9:51**
